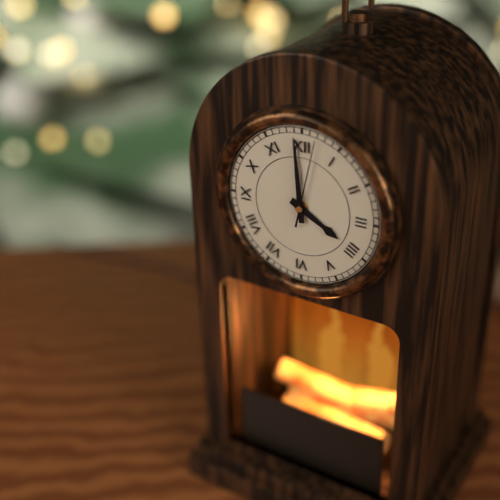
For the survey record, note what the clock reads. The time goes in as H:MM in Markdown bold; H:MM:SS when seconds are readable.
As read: **3:59:02**
